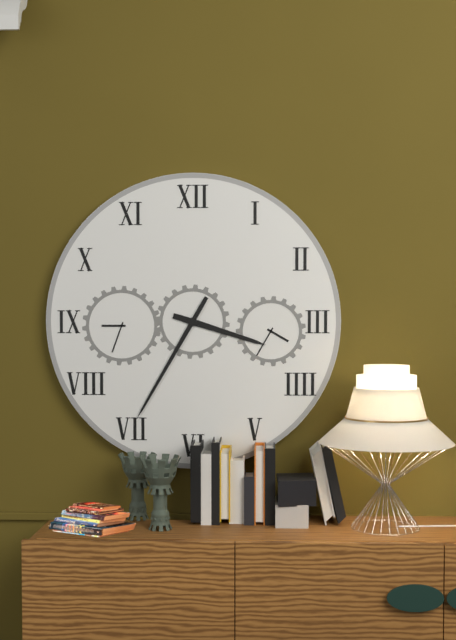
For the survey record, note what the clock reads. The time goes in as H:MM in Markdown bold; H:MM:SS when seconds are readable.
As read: **3:35**
